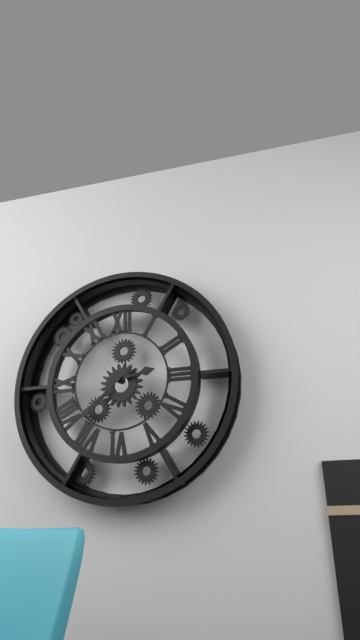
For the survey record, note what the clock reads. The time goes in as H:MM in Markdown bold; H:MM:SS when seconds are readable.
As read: **2:38**
